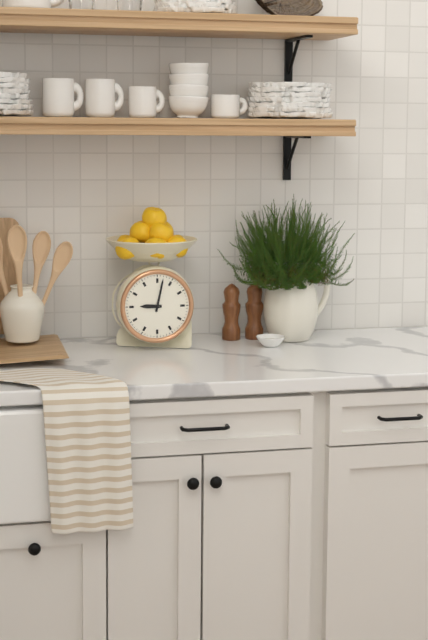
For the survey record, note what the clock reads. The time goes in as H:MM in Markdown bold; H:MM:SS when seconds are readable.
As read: **9:02**
